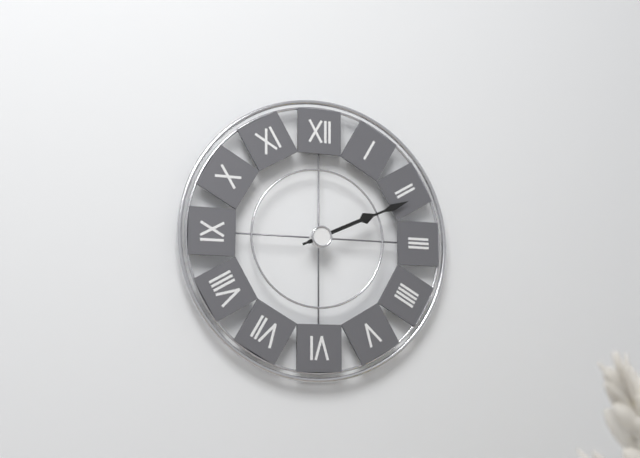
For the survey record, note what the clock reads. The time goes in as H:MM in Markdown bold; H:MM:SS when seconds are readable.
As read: **2:11**
